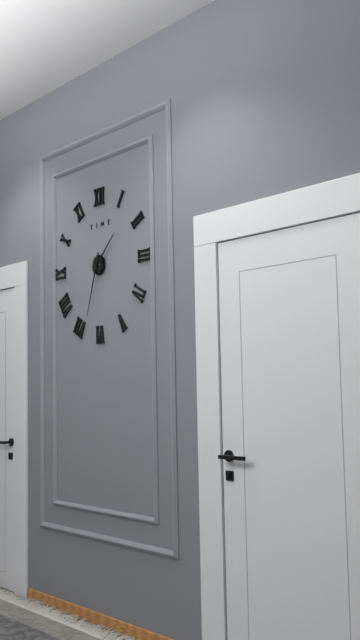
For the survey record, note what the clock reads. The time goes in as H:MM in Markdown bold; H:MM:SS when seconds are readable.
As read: **1:33**
